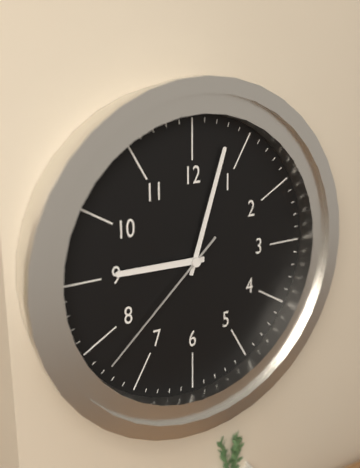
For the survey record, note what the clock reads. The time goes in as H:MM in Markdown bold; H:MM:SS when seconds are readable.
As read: **9:03:38**
